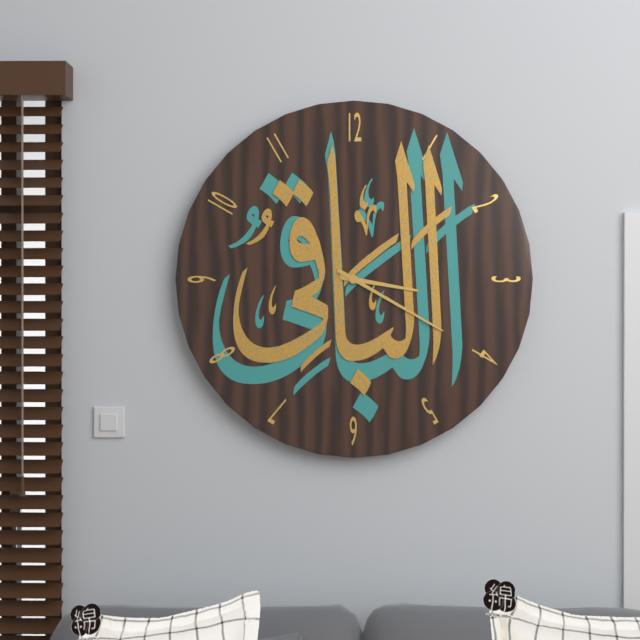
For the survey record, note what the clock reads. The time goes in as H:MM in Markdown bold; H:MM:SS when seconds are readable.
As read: **3:20**
